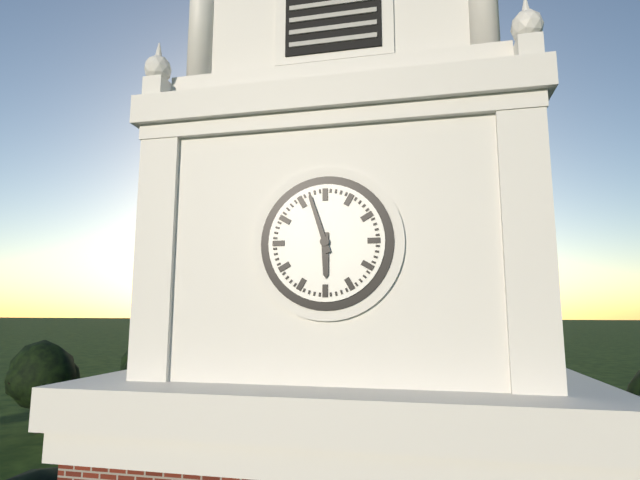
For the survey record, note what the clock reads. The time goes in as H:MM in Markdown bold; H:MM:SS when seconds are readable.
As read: **5:57**
